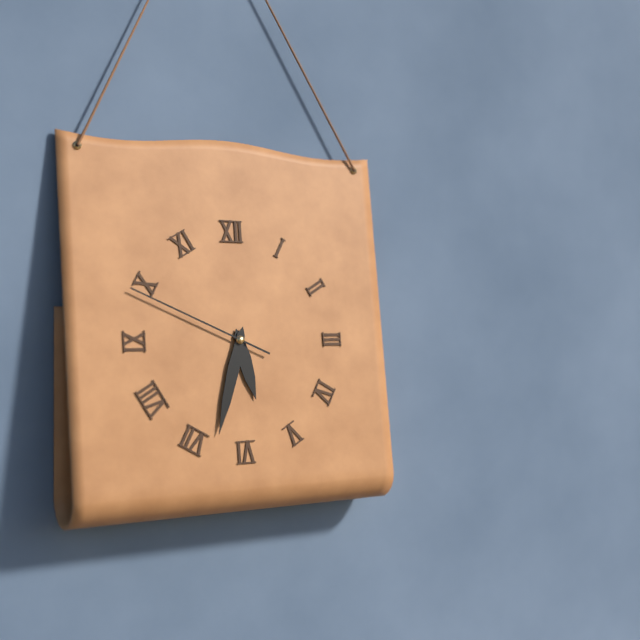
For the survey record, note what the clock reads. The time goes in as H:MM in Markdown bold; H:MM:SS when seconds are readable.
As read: **5:33:49**
